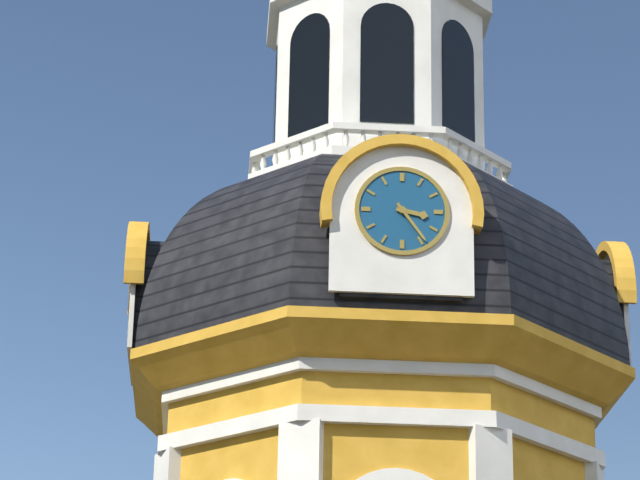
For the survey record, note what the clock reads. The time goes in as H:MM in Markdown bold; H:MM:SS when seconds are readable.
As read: **3:24**
